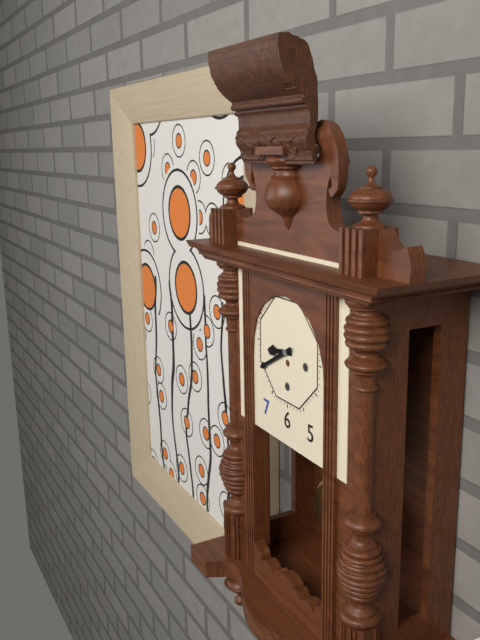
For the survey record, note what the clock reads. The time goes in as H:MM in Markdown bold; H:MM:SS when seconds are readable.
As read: **8:40**
